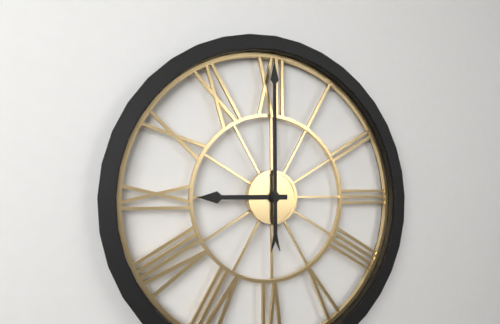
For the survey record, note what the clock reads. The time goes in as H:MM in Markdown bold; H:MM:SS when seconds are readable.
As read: **9:00**
